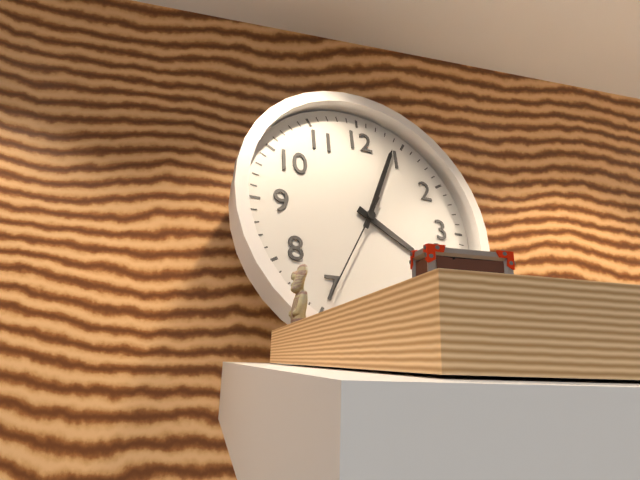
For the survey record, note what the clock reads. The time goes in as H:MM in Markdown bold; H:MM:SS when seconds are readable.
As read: **4:04:35**
